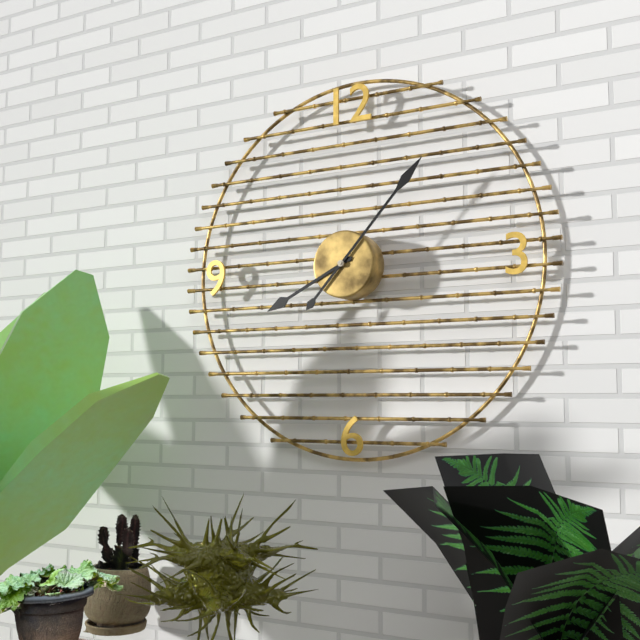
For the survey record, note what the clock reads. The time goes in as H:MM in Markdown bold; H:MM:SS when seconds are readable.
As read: **8:07**
